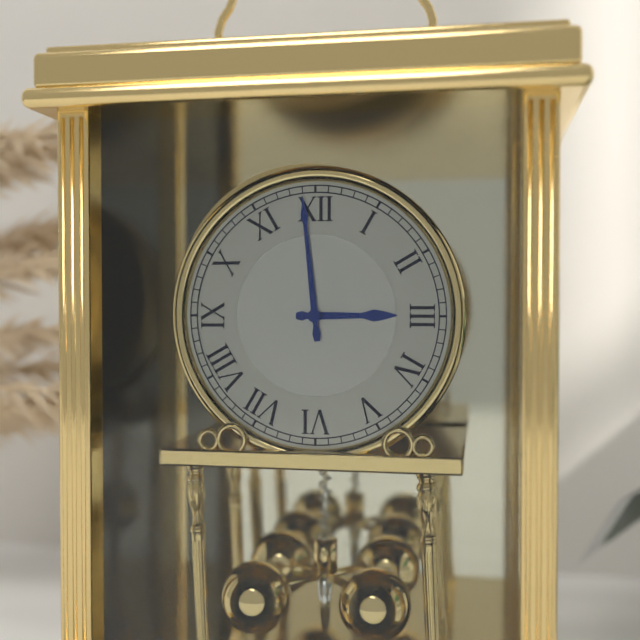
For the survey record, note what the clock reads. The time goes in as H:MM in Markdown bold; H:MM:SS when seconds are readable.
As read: **2:59**
